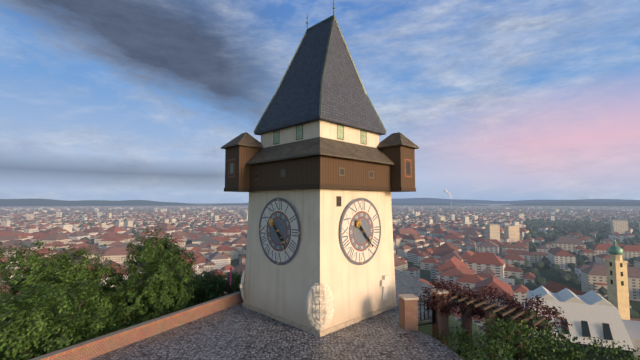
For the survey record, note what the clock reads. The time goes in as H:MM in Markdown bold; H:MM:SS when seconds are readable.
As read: **4:23**
